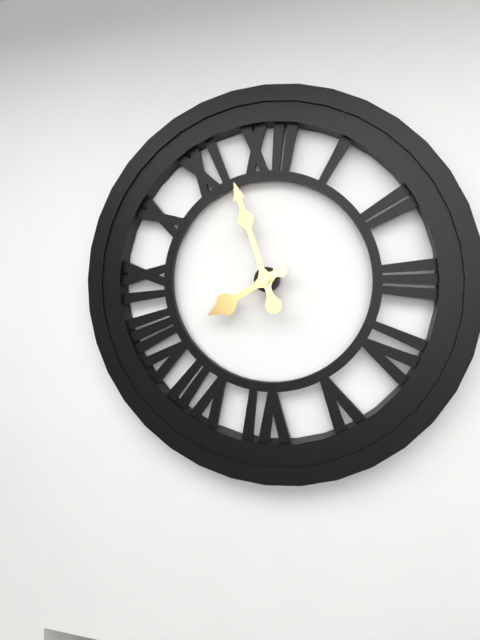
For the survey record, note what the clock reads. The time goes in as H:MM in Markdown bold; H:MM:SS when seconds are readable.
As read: **7:57**
